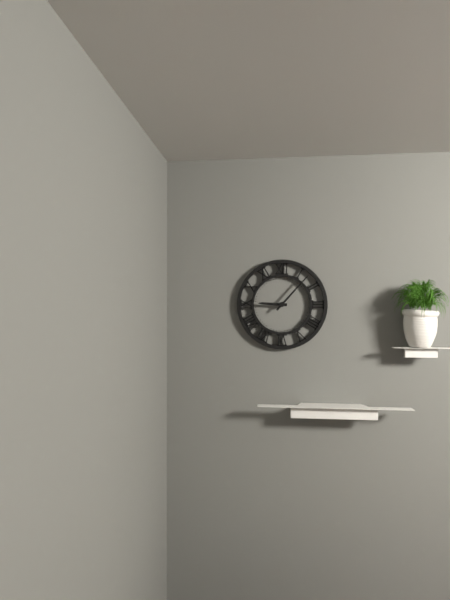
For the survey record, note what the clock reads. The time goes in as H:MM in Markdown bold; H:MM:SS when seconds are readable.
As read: **9:07**
